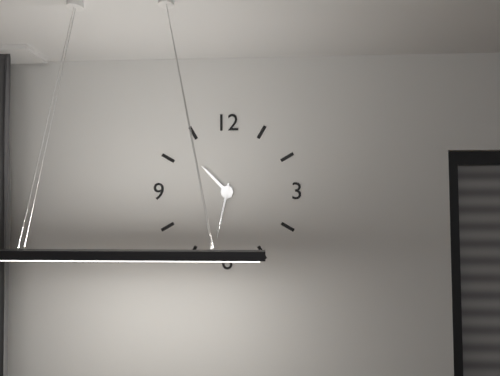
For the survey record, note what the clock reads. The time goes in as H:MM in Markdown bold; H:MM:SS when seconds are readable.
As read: **10:32**
